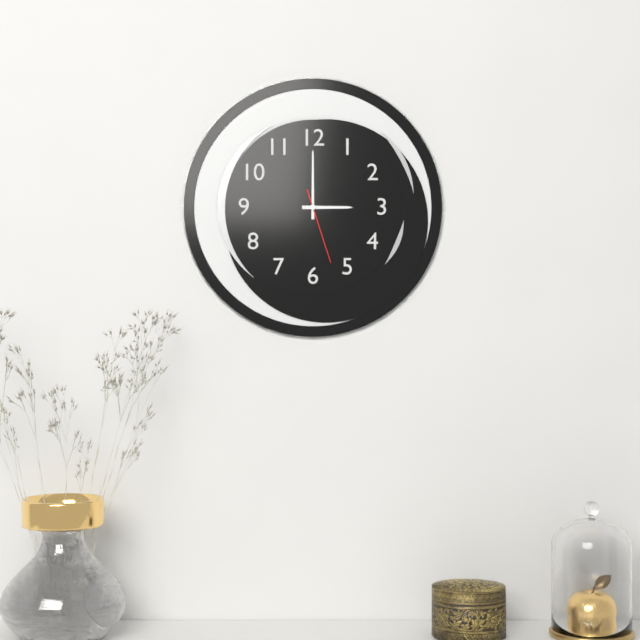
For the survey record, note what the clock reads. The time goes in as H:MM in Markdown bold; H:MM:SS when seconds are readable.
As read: **3:00:27**
